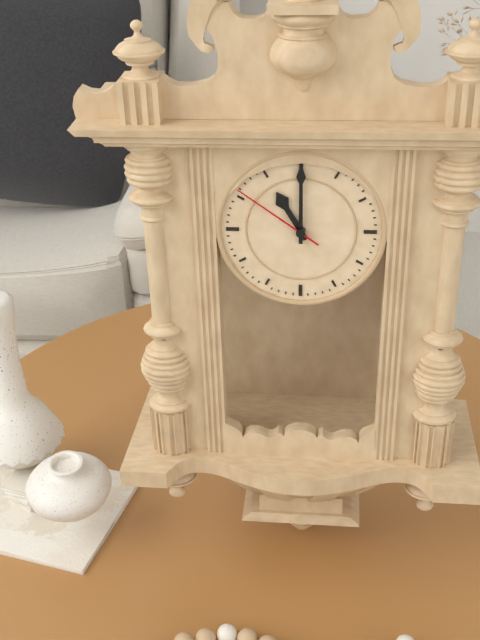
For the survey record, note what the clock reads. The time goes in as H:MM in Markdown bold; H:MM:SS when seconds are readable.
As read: **11:00:51**
